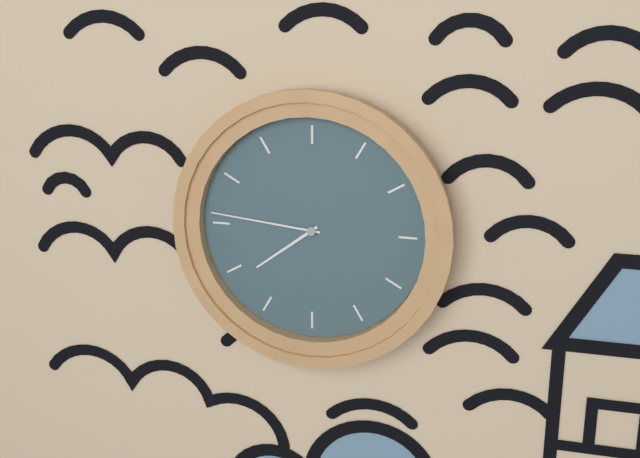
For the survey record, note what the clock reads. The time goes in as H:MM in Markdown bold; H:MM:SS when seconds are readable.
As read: **7:46**
